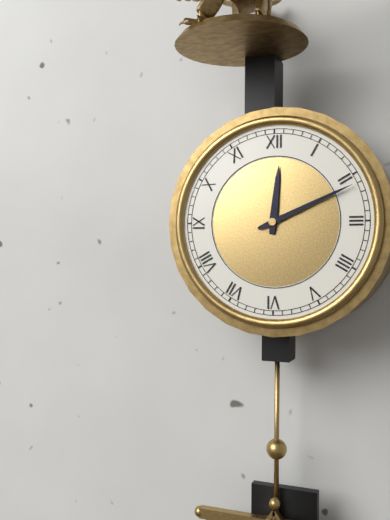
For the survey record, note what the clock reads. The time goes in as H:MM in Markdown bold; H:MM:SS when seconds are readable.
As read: **12:11**
